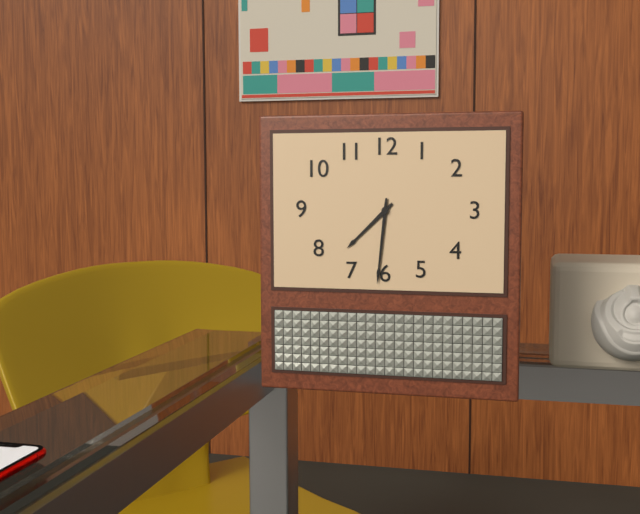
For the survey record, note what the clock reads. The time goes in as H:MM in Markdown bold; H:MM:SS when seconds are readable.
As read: **7:31**
